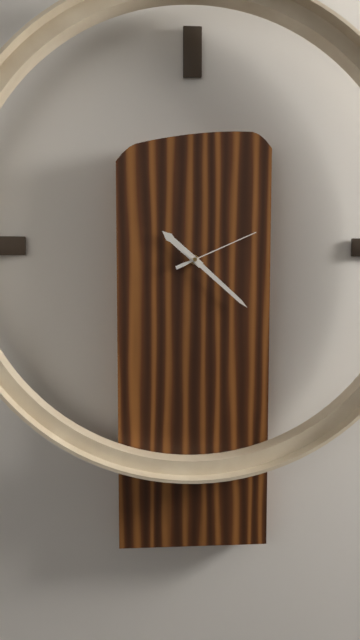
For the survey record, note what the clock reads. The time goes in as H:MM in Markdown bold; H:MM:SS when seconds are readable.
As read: **10:22:11**
